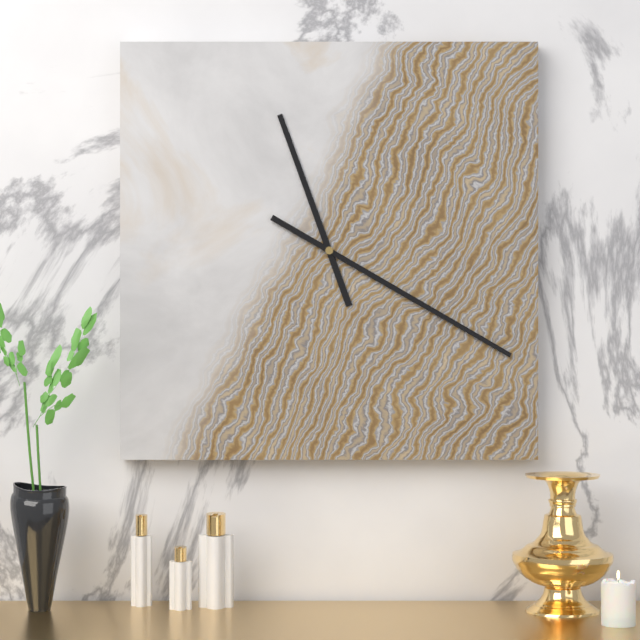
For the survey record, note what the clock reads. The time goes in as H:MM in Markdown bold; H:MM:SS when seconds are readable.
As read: **11:20**
